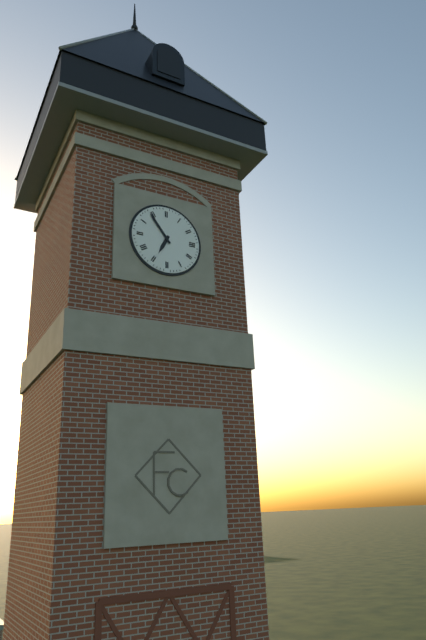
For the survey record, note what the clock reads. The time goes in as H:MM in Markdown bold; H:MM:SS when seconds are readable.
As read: **6:54**
